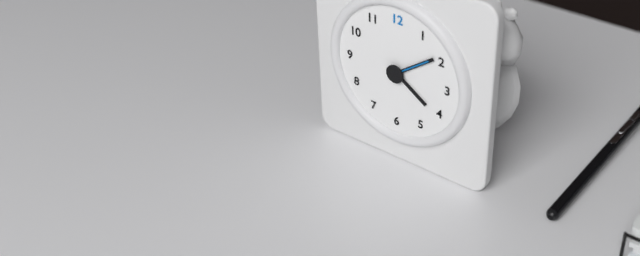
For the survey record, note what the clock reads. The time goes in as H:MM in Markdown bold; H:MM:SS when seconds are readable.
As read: **4:09**
